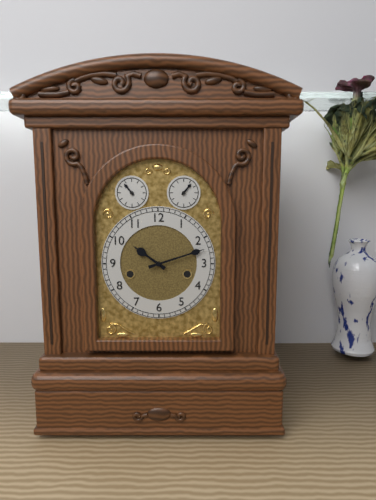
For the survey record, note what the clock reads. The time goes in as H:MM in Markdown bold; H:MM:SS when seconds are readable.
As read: **10:12**
